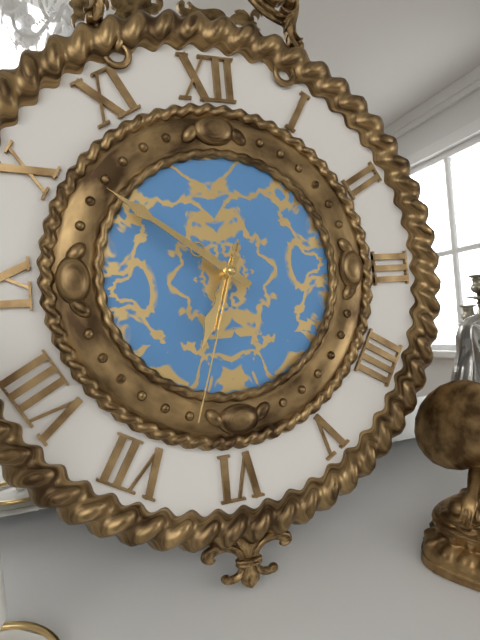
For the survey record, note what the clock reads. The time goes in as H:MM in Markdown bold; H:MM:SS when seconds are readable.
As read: **6:51:33**
